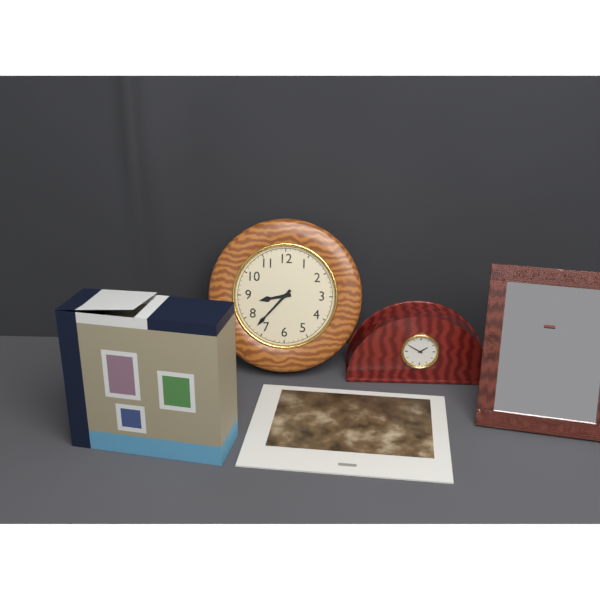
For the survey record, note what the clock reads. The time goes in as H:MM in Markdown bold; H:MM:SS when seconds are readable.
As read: **8:37**
